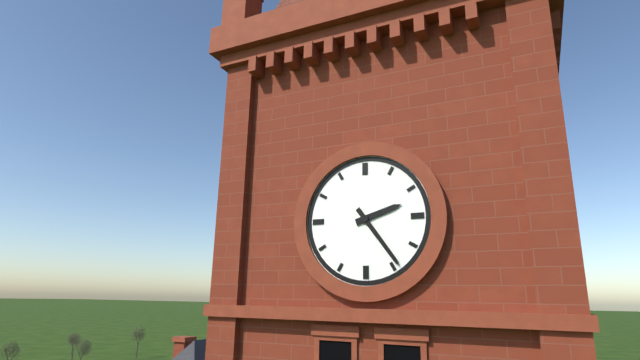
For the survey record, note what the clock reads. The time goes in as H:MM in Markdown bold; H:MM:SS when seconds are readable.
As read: **2:24**
